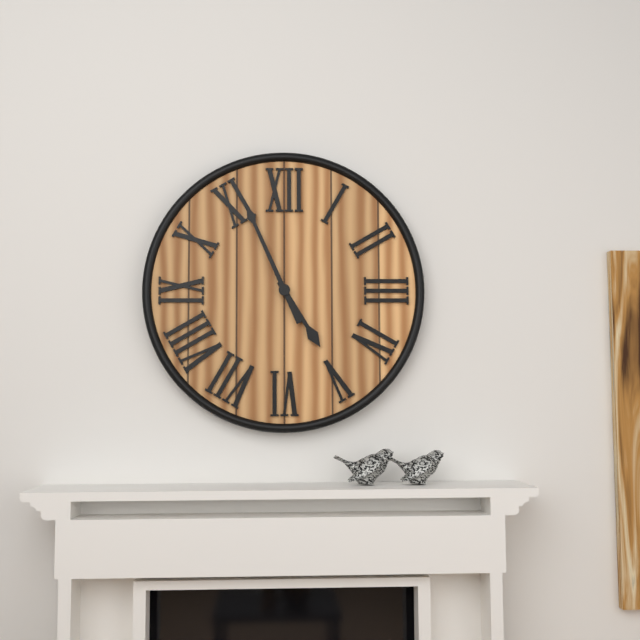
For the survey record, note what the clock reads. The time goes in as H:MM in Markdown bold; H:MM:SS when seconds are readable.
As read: **4:56**
